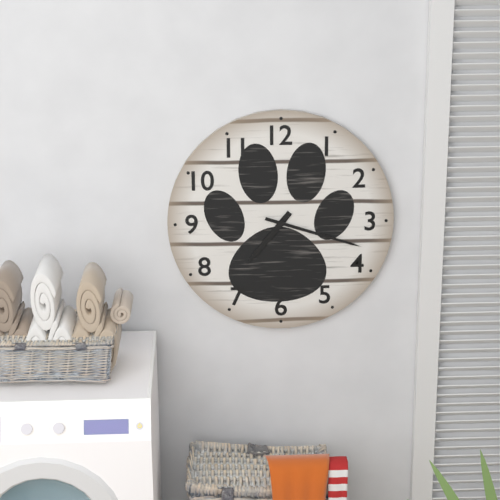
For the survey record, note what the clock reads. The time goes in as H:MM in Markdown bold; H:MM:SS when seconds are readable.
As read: **7:18**
